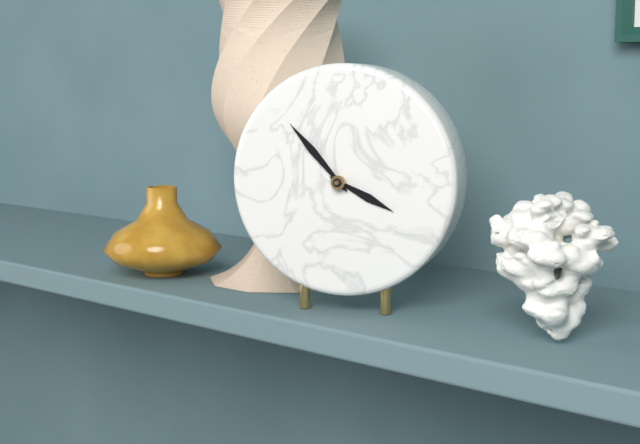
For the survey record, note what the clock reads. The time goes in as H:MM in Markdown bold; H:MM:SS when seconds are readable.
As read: **3:53**
